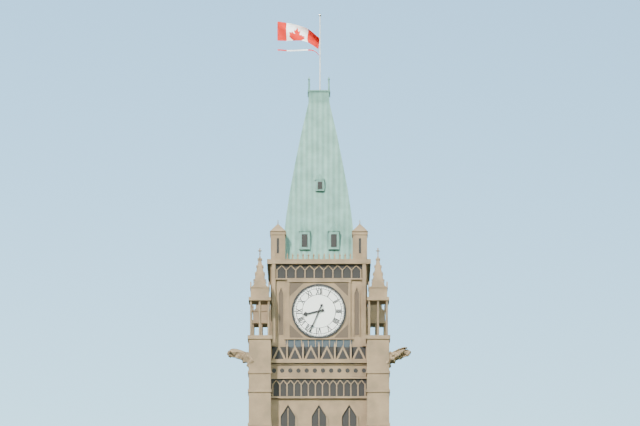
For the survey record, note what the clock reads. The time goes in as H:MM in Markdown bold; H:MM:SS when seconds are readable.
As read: **8:34**
